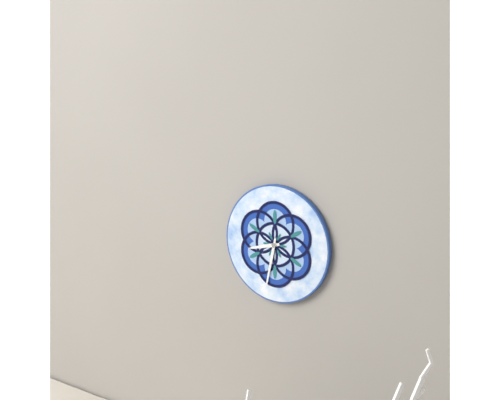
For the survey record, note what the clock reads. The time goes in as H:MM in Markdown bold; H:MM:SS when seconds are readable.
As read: **8:32**
